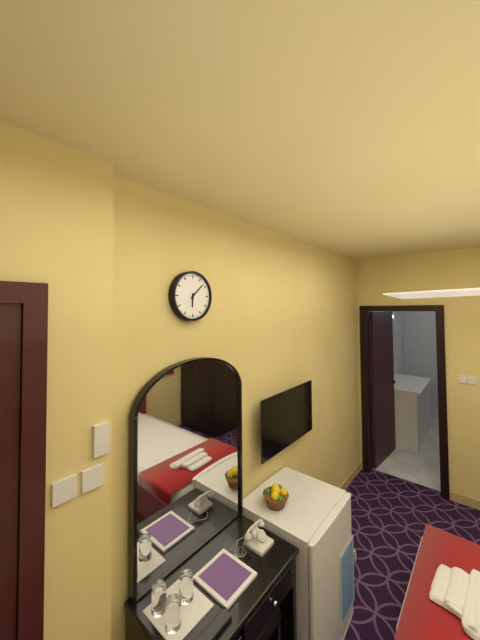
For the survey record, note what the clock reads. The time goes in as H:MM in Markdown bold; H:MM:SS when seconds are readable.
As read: **6:08**
